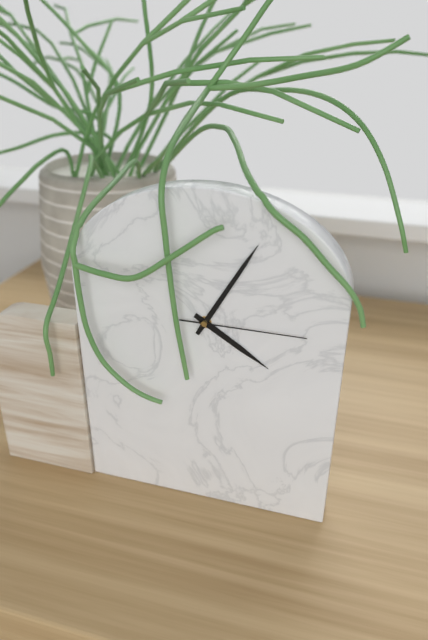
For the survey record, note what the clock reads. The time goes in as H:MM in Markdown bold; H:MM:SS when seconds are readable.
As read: **4:05:15**
